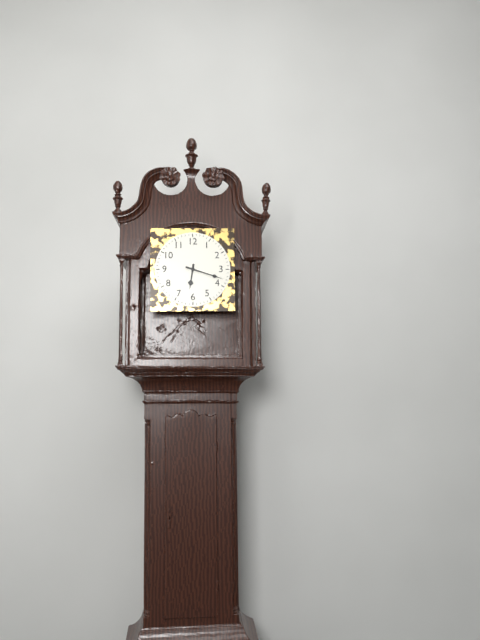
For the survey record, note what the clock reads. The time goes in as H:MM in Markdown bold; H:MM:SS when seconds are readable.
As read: **6:18**
